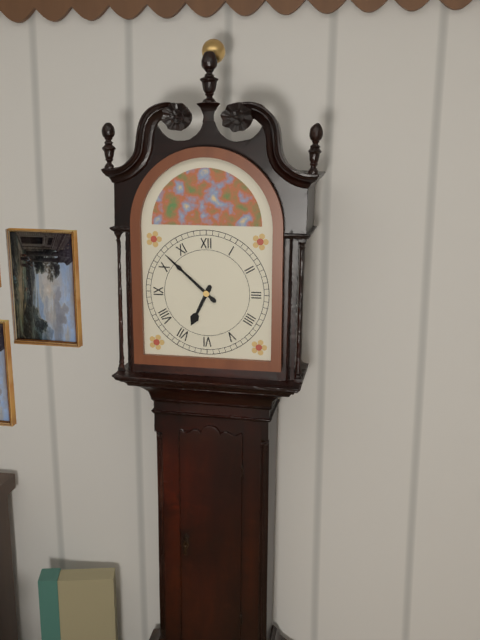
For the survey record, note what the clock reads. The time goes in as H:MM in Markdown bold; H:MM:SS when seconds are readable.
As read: **6:52**
